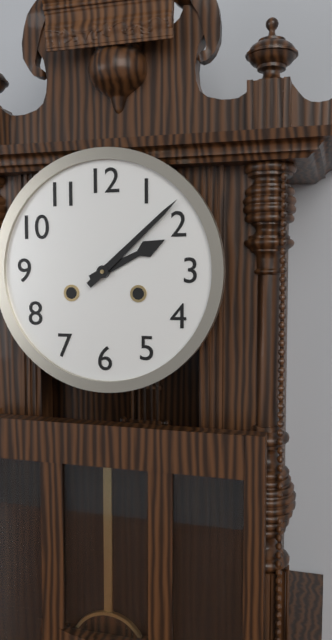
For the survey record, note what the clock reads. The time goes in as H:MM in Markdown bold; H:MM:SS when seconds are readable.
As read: **2:08**
